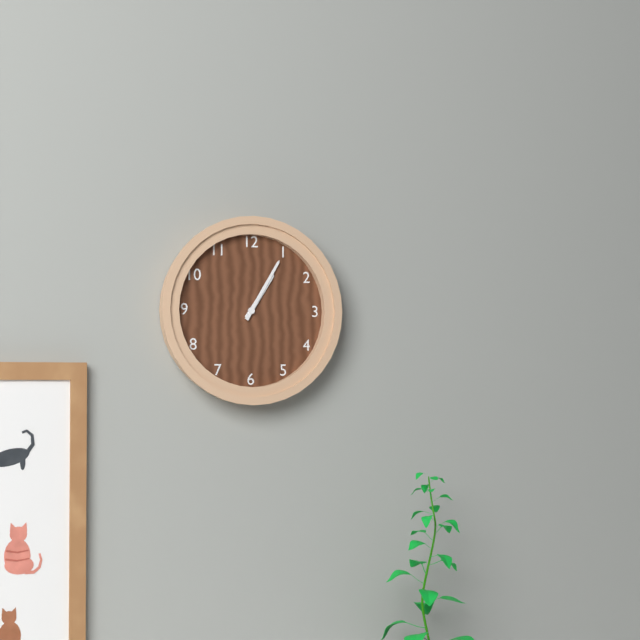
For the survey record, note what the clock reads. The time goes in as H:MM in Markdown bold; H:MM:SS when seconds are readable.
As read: **1:05**
